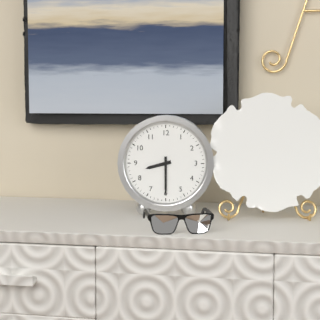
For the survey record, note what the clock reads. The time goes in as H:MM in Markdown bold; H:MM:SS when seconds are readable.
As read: **8:30**
